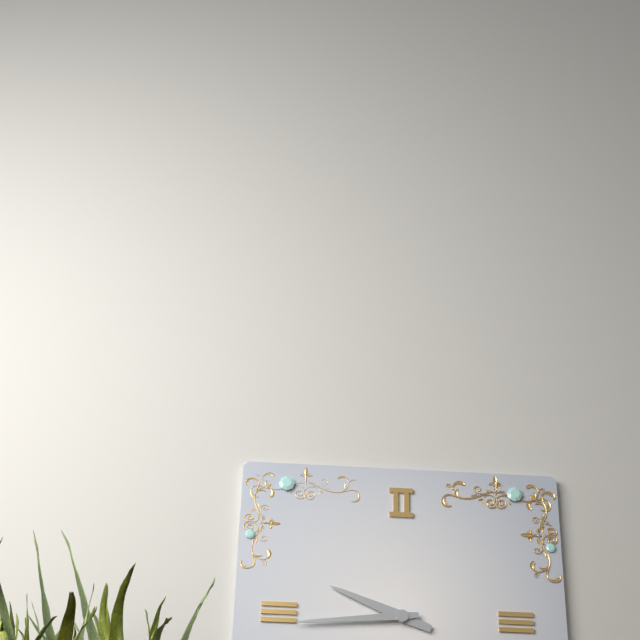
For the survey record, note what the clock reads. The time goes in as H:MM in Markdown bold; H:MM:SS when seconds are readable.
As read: **9:44**
